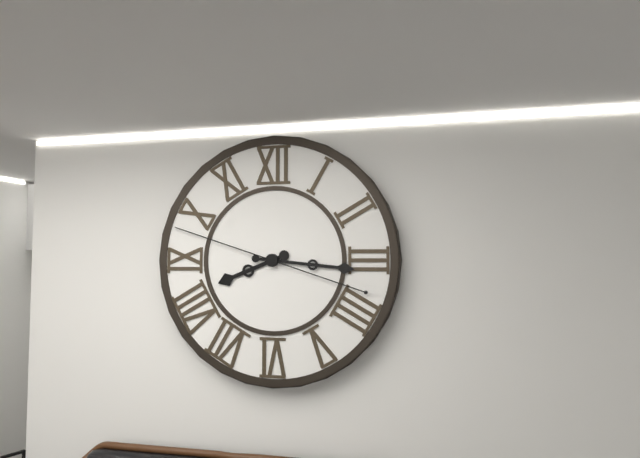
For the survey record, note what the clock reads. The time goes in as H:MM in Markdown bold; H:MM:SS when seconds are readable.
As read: **8:16:48**
